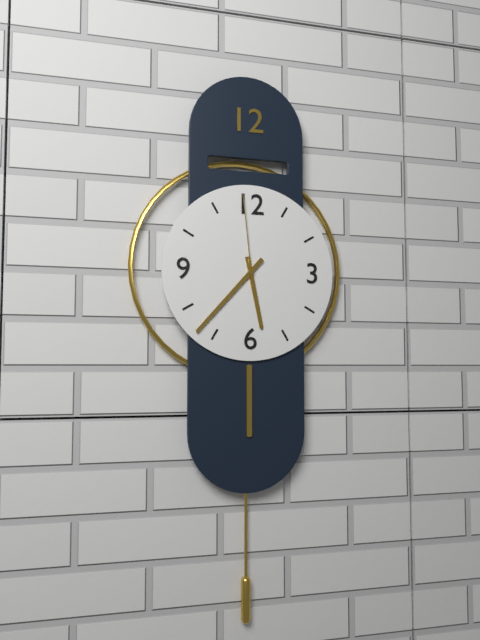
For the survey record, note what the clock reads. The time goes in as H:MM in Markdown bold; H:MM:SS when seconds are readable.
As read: **5:37:59**
